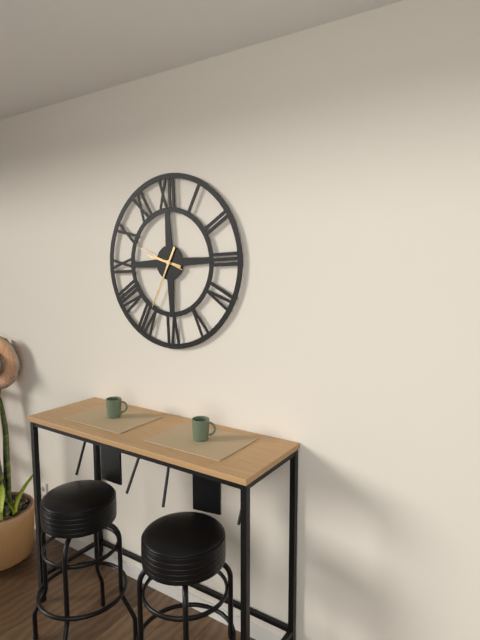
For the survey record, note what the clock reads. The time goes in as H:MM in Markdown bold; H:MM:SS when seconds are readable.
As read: **9:35**
